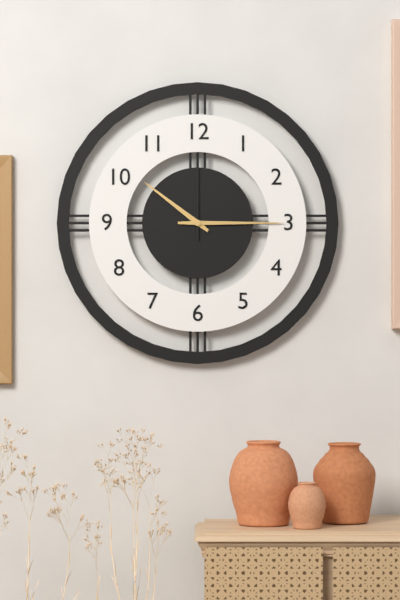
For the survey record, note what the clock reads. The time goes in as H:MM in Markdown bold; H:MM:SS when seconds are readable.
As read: **10:15:00**
